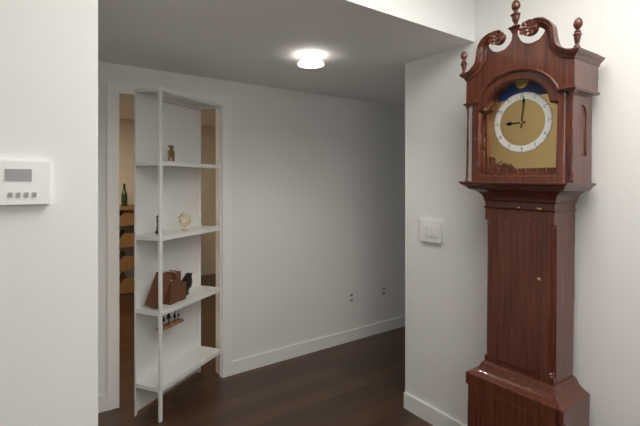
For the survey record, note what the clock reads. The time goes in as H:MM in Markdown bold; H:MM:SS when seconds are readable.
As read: **9:01**
